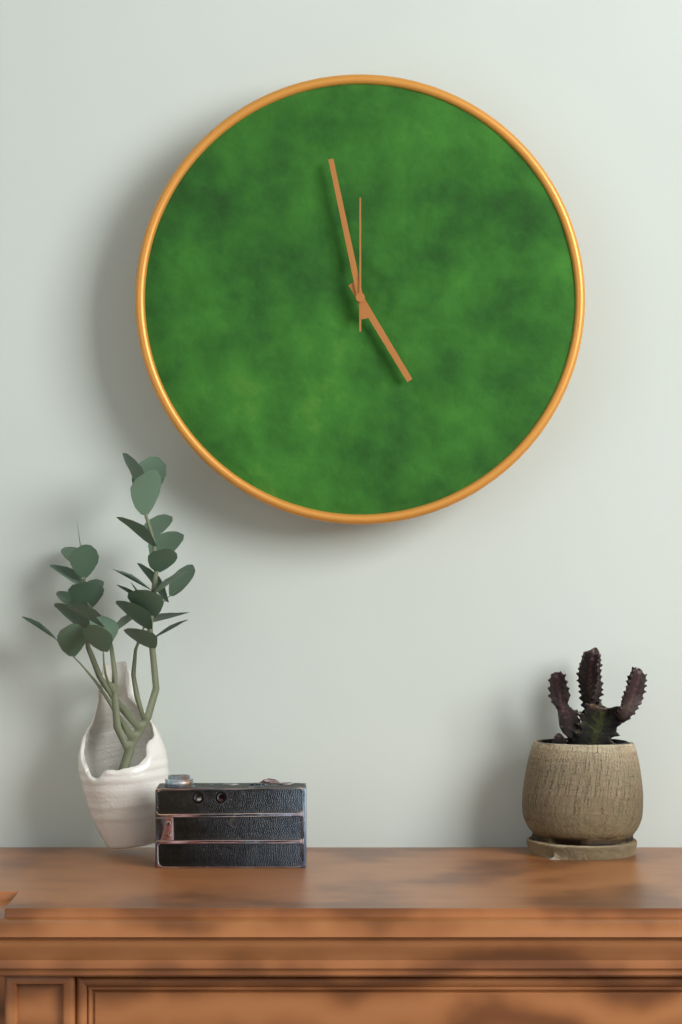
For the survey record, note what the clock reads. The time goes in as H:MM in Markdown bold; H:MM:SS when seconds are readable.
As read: **4:58:00**
